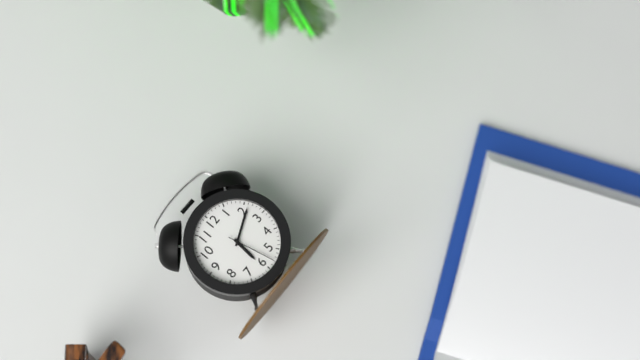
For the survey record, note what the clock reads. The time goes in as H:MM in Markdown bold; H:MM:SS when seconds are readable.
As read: **6:11:28**
